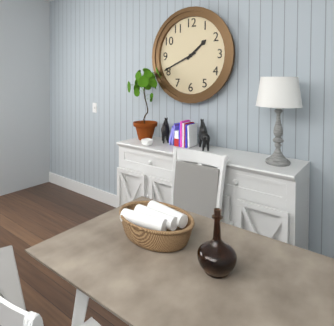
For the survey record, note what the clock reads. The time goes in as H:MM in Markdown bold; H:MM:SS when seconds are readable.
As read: **1:41**
